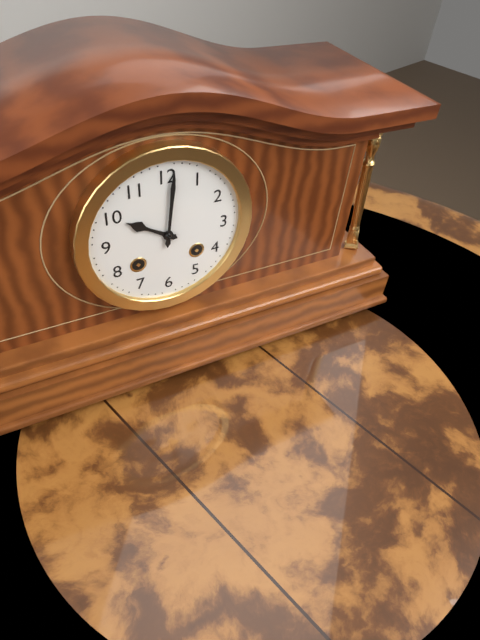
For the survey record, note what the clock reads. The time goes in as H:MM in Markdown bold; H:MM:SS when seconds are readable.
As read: **10:01**
